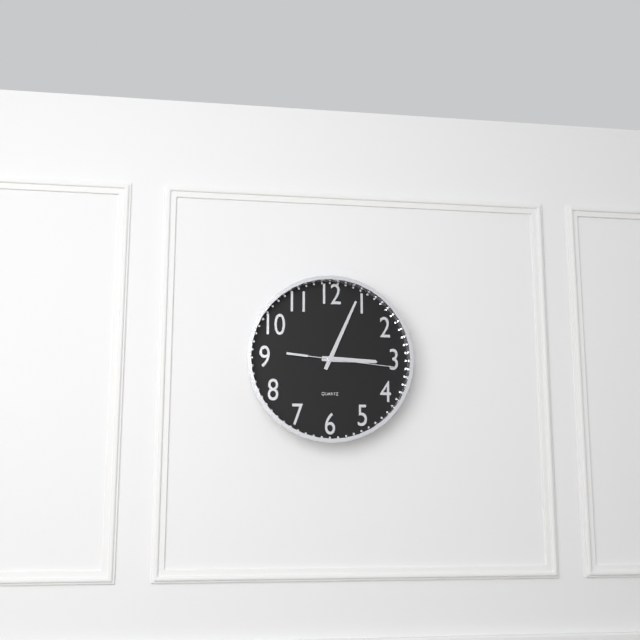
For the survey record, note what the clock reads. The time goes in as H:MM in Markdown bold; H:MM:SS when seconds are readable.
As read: **3:04:16**
